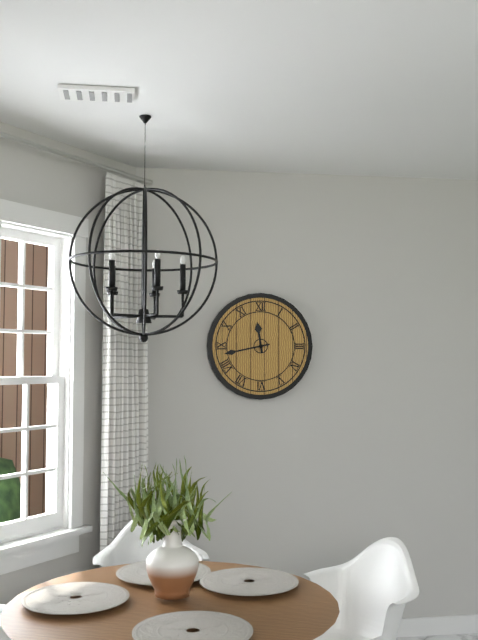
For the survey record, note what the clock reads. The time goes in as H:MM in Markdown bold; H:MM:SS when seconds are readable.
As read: **11:43**
